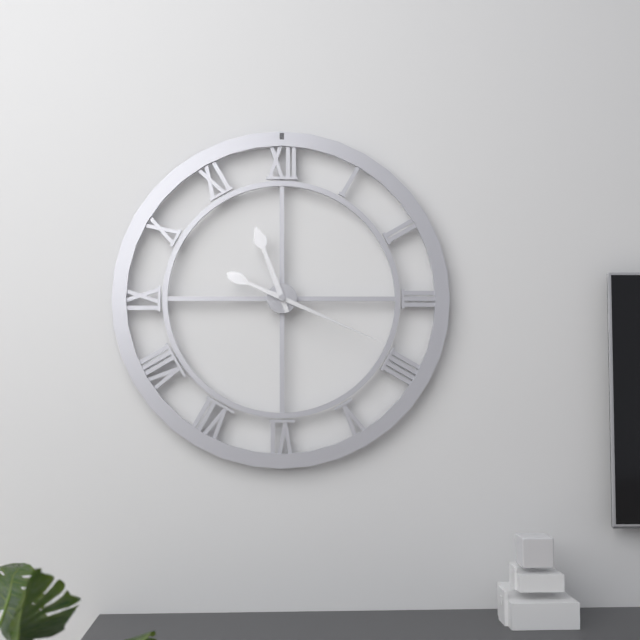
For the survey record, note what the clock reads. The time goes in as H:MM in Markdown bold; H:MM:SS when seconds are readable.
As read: **11:19**
